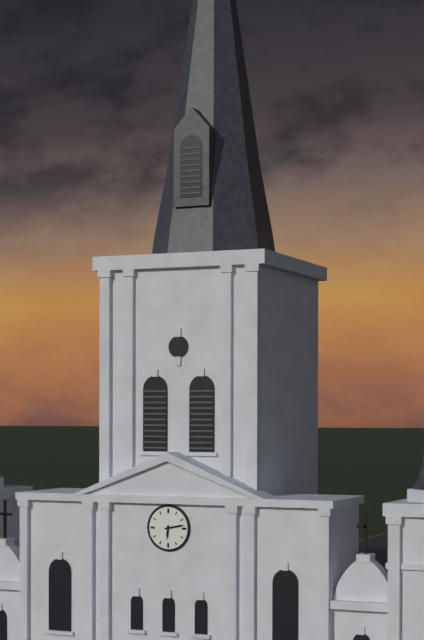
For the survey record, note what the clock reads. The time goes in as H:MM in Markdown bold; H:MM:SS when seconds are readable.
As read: **6:13**
